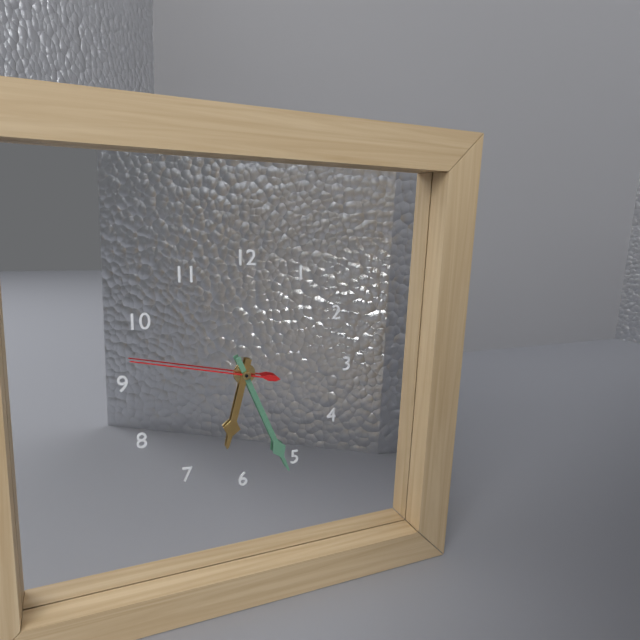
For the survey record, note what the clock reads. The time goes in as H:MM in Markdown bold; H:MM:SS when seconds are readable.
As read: **6:26:47**
